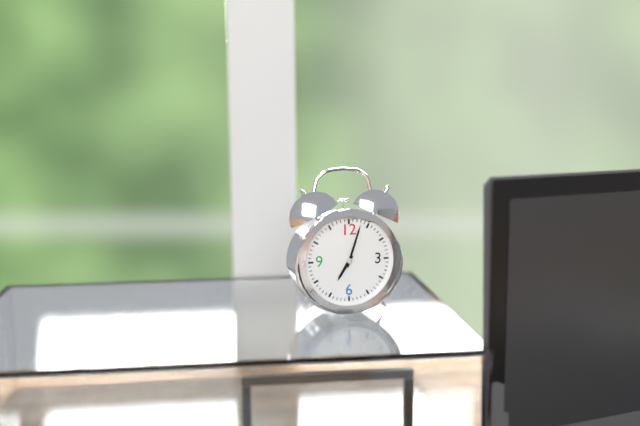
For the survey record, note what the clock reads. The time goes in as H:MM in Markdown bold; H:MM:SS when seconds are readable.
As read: **7:03**
